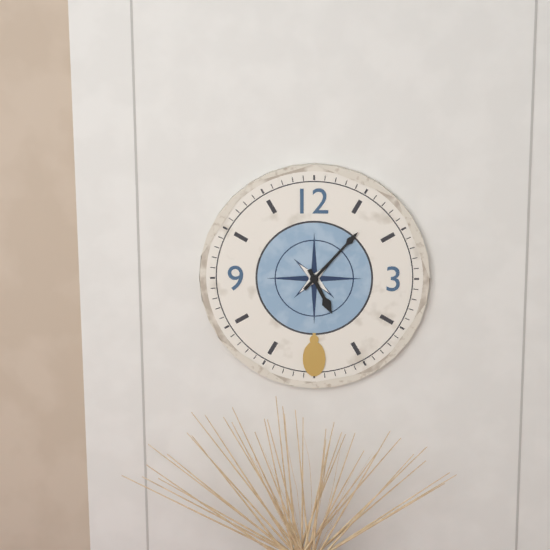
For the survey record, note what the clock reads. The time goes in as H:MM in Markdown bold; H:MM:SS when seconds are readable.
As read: **5:07**
